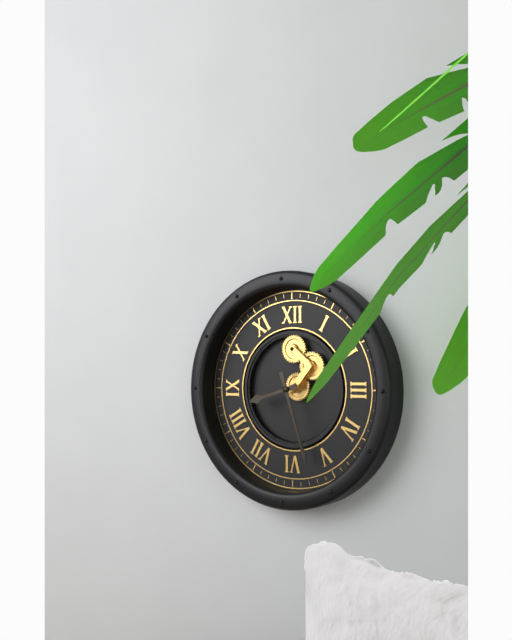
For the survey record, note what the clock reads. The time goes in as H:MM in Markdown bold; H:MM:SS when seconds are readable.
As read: **8:27**
